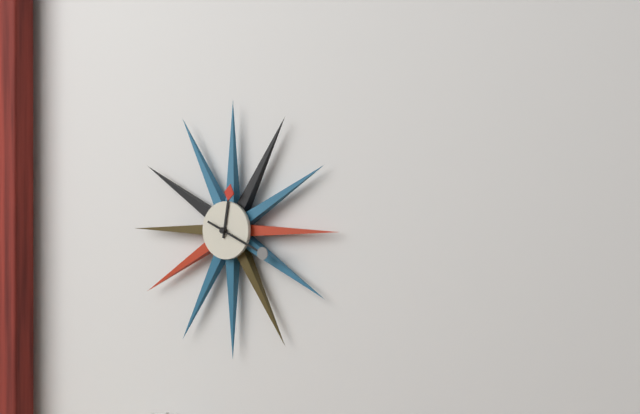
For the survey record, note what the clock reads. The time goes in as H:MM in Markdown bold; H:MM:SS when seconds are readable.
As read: **12:19**
